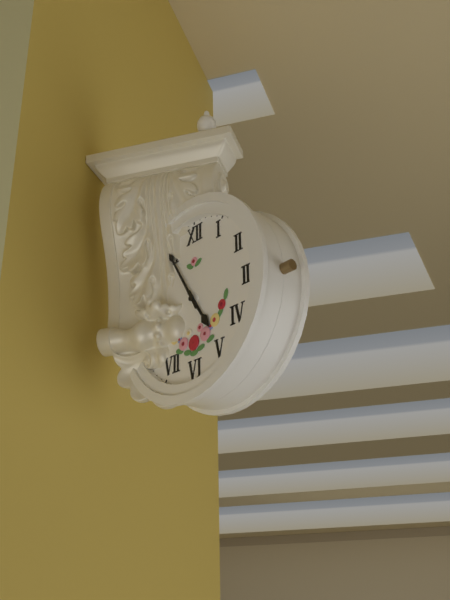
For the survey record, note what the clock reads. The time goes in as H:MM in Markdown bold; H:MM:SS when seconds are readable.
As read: **4:55**
